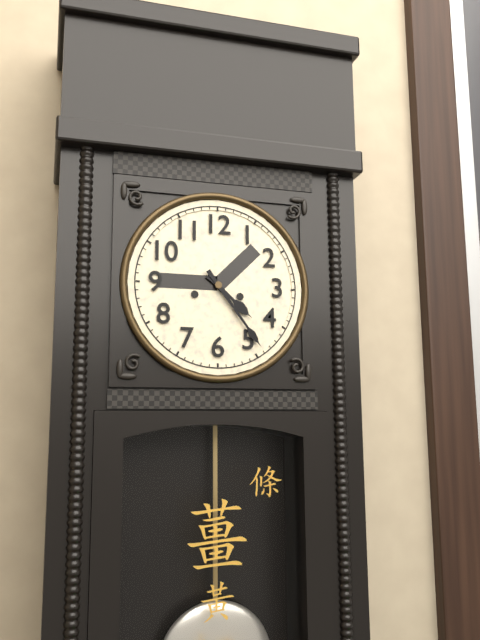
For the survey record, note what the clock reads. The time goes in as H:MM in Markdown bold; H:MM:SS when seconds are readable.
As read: **4:24**
